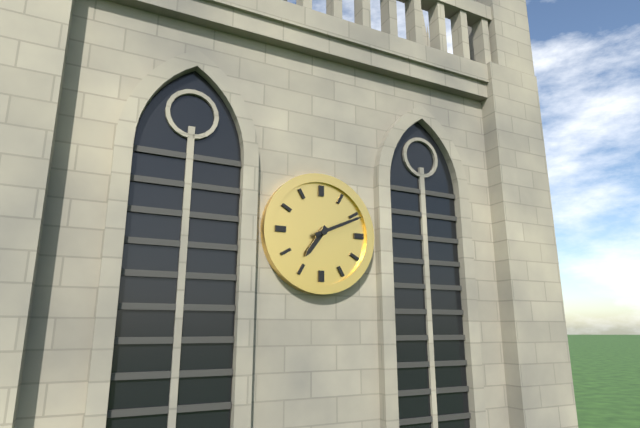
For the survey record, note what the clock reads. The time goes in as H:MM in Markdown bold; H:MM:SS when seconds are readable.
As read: **7:11**
